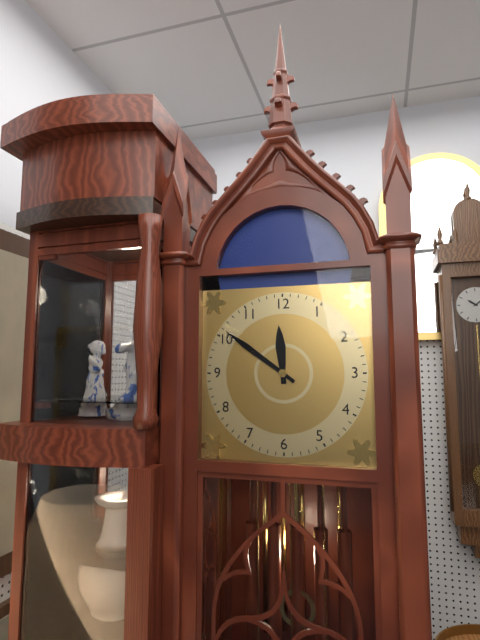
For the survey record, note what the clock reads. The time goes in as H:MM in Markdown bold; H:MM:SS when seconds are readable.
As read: **11:51**
